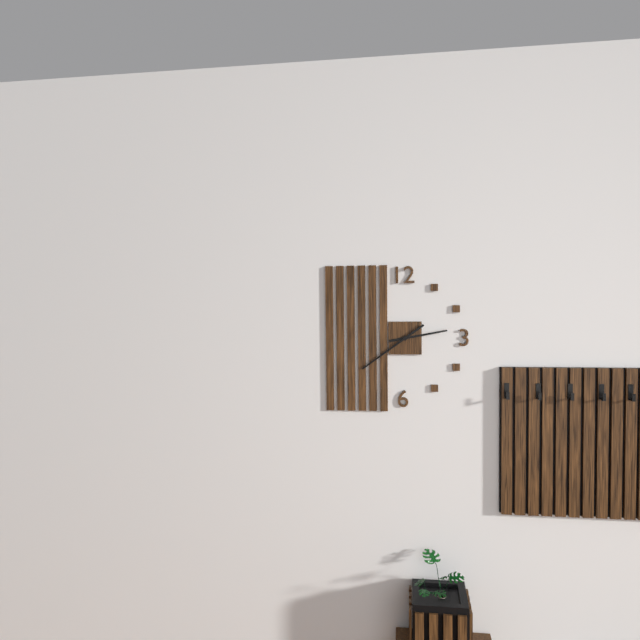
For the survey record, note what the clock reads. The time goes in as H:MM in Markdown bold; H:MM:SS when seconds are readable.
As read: **2:39**
